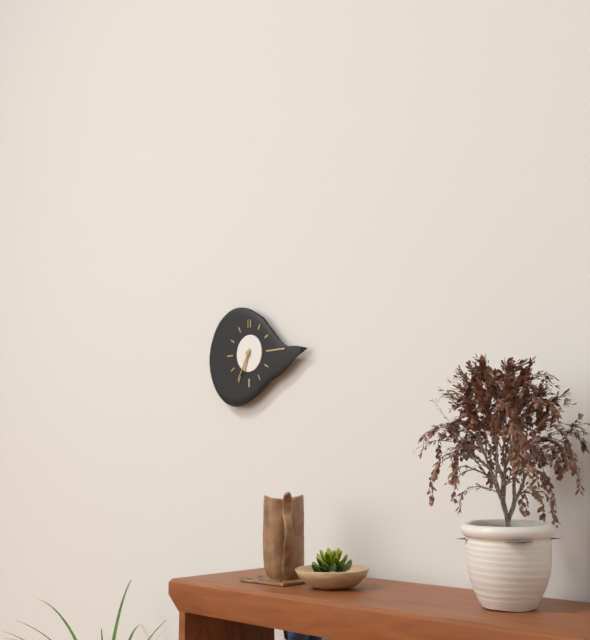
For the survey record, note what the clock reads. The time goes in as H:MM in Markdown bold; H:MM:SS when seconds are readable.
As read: **6:35**
